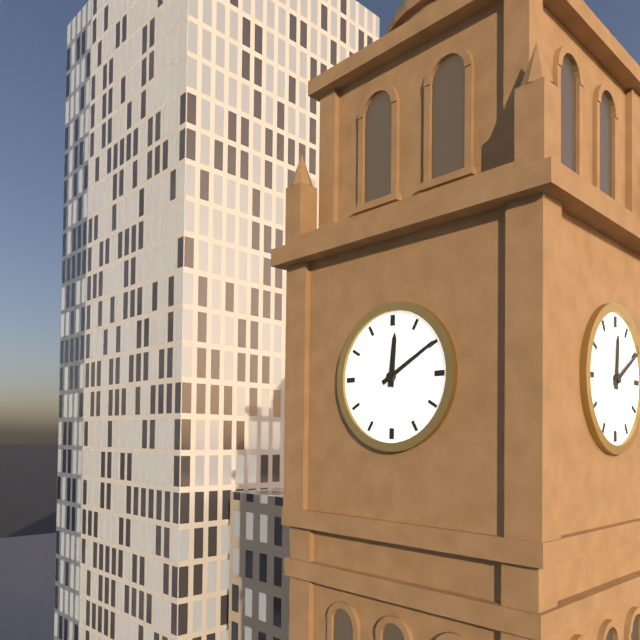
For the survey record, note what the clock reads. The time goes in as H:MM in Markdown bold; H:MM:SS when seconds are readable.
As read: **12:10**
